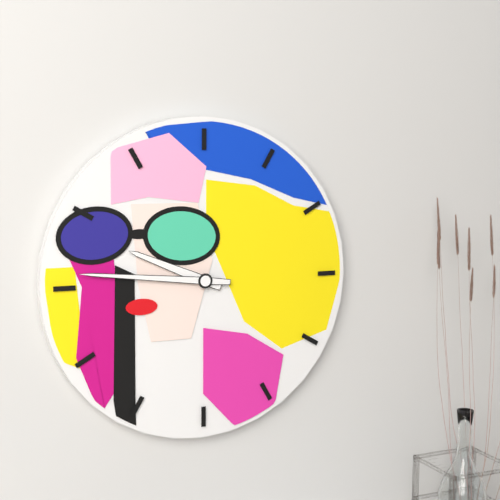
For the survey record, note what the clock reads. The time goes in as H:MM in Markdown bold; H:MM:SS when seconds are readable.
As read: **9:46**
